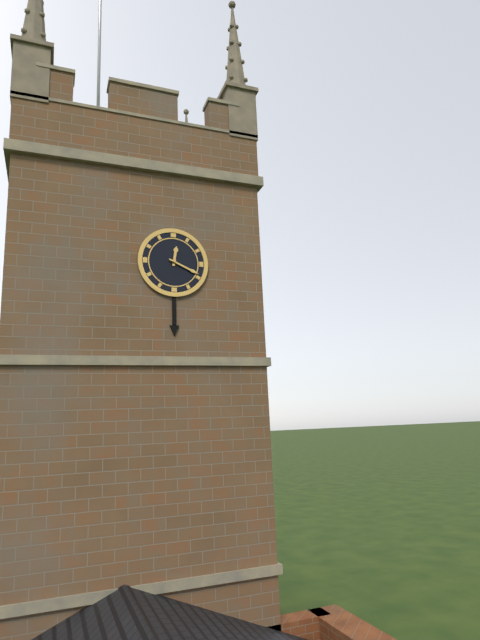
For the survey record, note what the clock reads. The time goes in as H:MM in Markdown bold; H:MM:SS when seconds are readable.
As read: **12:19**
